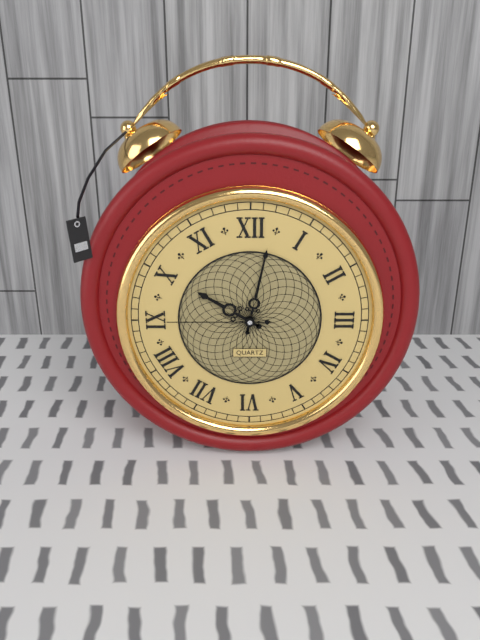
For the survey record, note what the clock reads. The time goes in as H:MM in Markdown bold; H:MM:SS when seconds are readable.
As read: **10:02:45**
